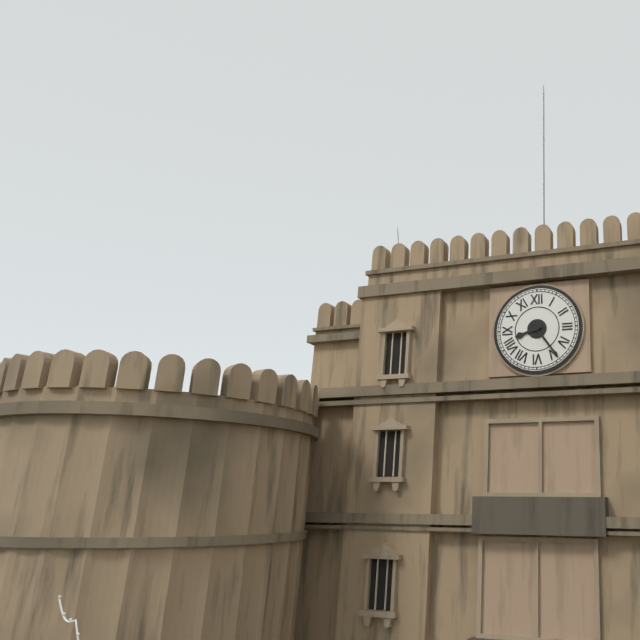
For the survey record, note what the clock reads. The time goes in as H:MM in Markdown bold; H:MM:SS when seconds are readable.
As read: **8:24**
